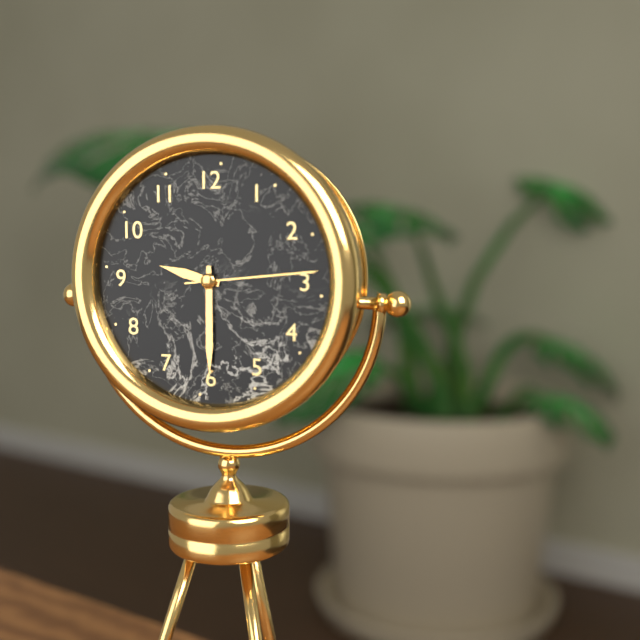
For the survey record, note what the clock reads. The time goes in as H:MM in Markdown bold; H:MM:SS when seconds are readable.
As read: **9:30:14**
